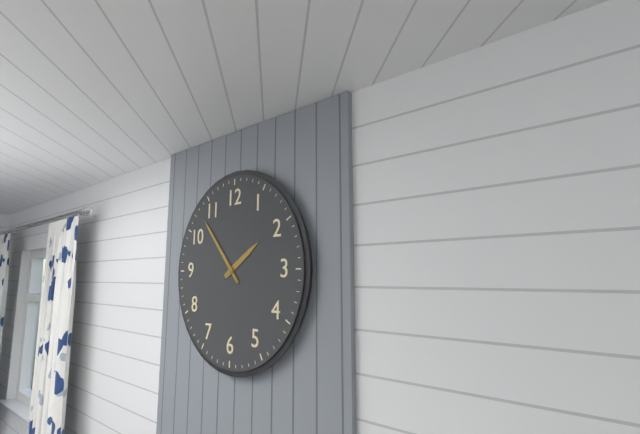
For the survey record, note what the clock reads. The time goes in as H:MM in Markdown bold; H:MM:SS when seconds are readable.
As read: **1:53**
